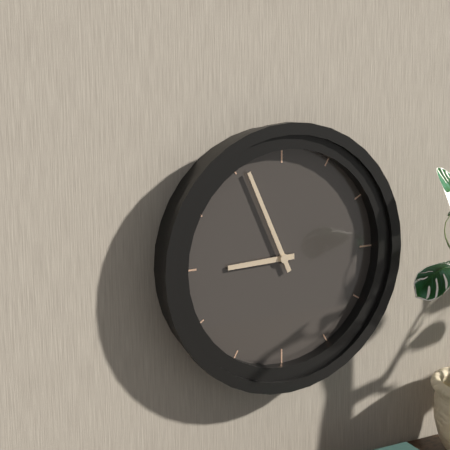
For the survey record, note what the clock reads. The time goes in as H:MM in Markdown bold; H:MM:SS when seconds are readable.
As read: **8:56**
